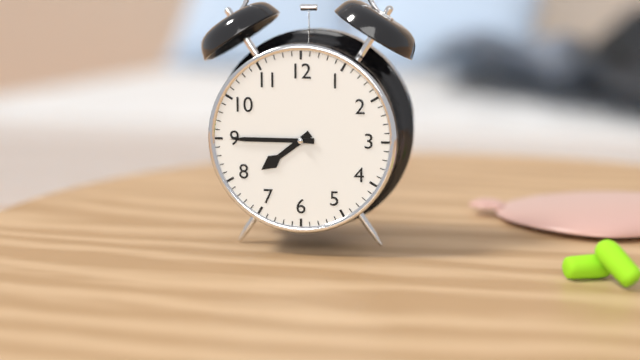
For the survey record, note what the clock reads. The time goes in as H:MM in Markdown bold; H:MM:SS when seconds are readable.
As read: **7:45**
